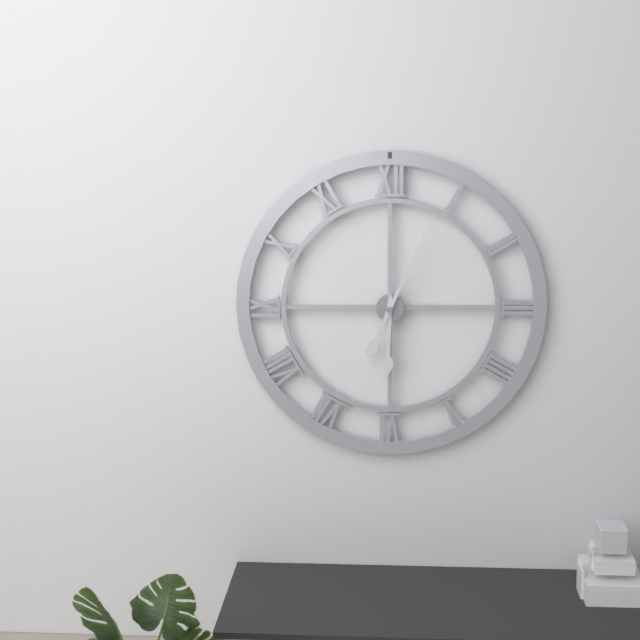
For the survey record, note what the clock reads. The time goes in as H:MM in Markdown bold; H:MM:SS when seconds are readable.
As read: **6:04**
